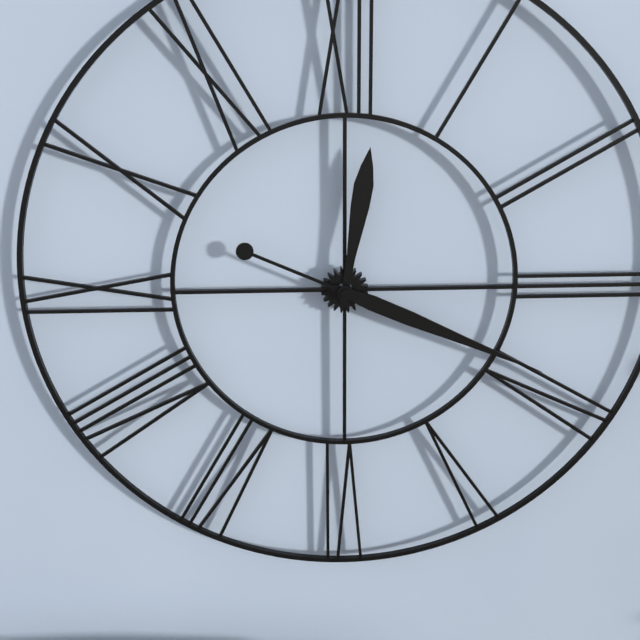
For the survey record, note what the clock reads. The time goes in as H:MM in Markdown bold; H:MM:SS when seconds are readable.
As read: **12:19**
